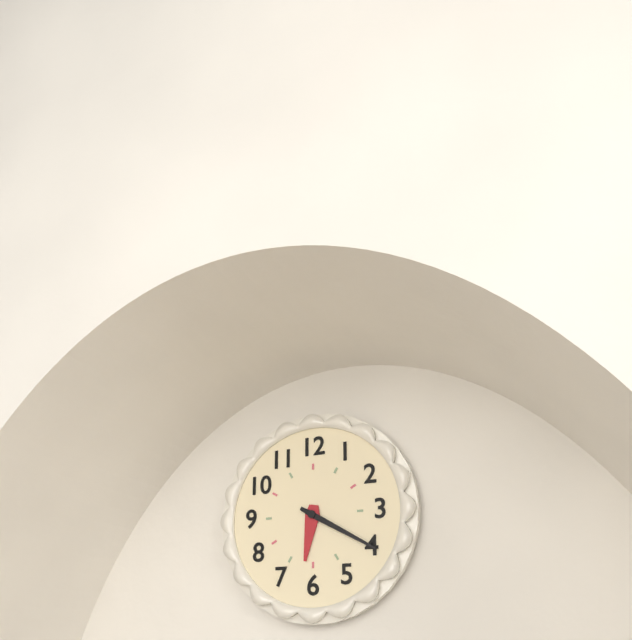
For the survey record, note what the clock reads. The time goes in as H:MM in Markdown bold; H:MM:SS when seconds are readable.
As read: **6:20**
